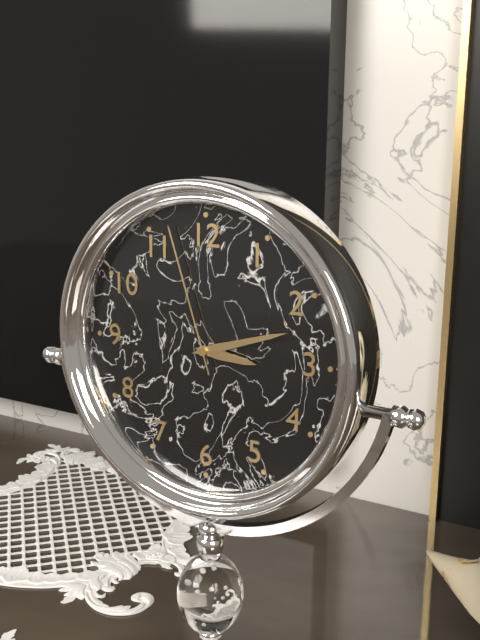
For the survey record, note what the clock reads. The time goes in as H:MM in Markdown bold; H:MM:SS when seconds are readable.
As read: **3:12:57**
